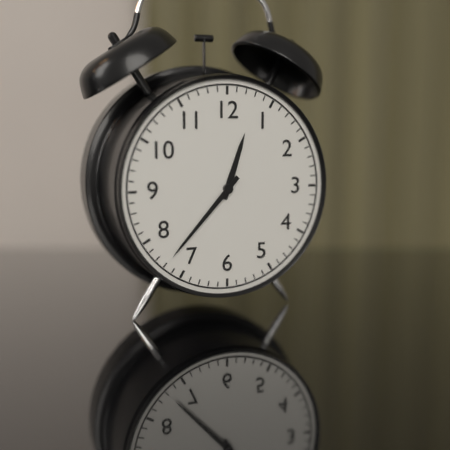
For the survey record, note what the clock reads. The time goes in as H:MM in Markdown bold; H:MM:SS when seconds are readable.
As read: **12:37**
